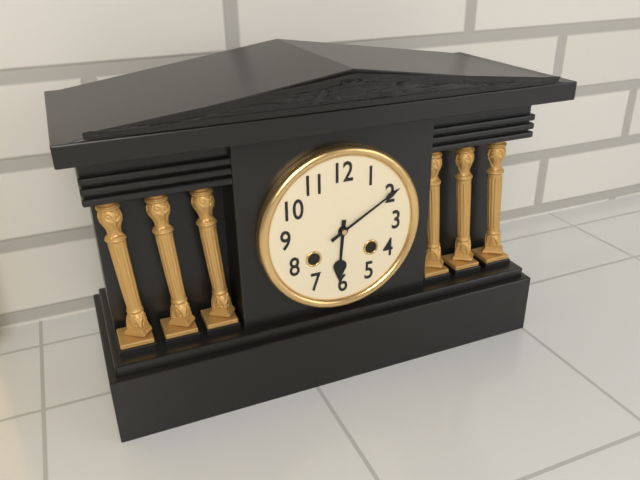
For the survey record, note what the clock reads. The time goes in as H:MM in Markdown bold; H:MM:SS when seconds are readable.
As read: **6:10**
